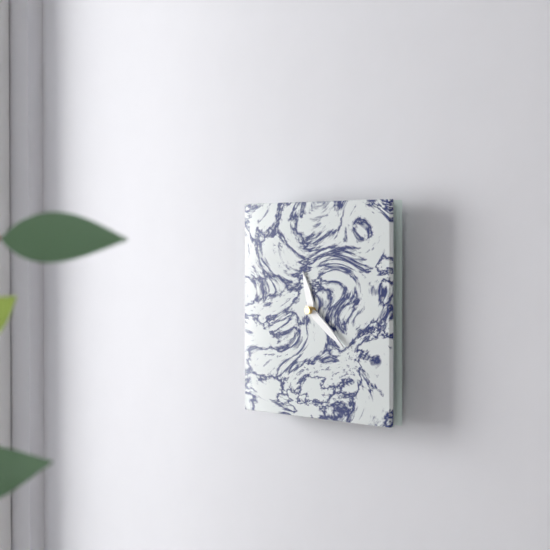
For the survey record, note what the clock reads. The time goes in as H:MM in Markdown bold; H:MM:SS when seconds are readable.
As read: **11:21**
